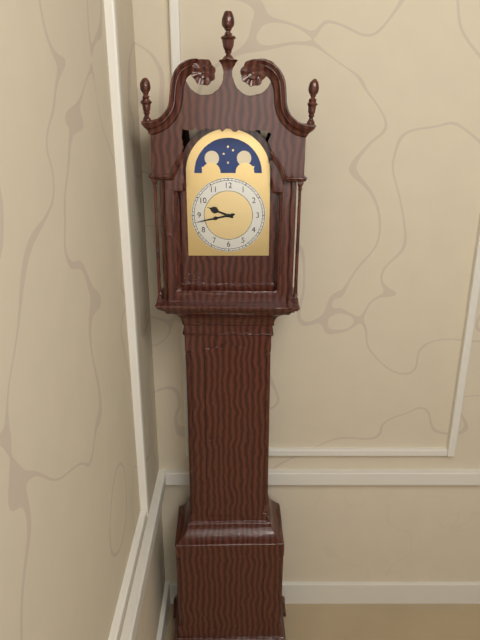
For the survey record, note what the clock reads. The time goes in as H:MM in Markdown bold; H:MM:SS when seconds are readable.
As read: **9:43**
